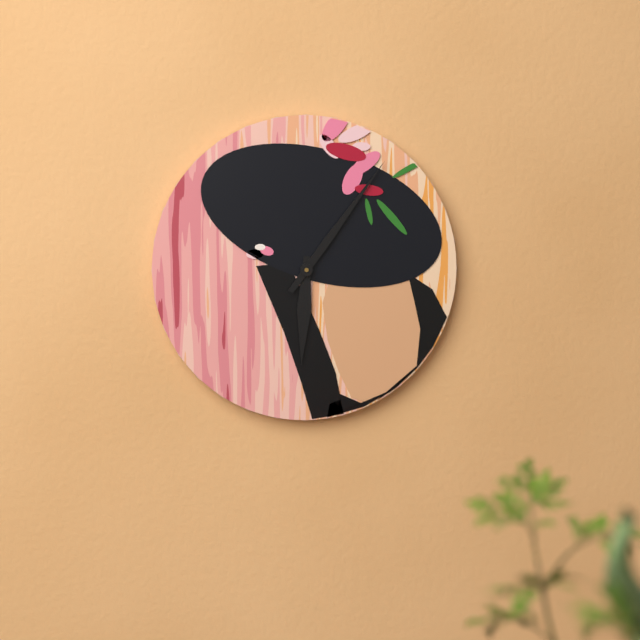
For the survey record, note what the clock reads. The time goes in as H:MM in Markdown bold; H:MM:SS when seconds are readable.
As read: **6:06**
